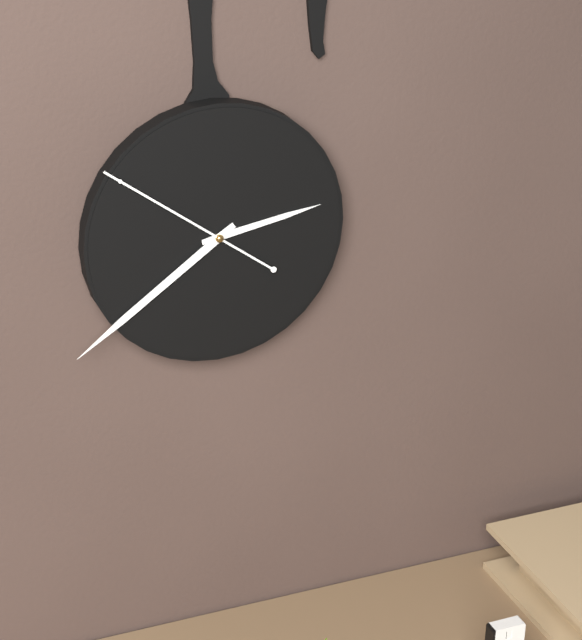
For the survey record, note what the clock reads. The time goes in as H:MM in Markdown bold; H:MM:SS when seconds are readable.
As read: **2:39:51**
